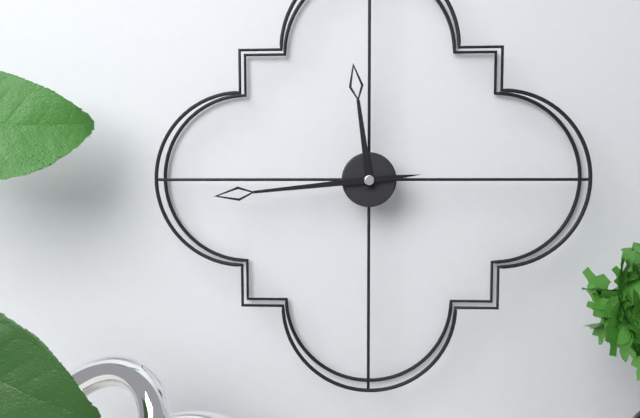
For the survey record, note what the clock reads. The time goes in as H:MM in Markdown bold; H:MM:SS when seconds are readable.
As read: **11:44**
